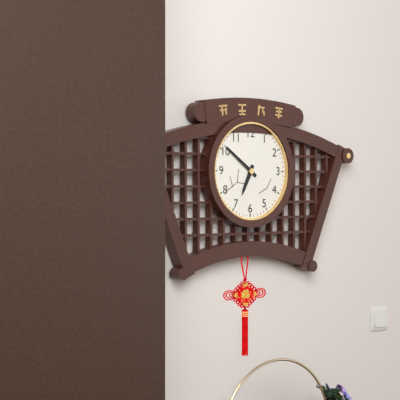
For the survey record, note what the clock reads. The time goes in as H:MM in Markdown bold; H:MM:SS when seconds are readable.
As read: **6:51**
